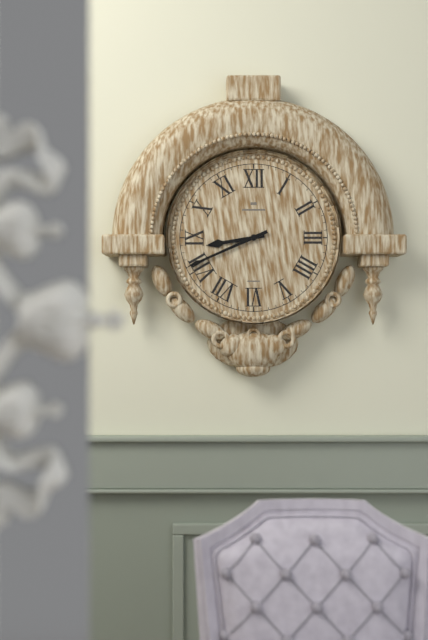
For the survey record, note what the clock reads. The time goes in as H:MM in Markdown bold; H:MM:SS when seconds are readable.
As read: **8:41**
